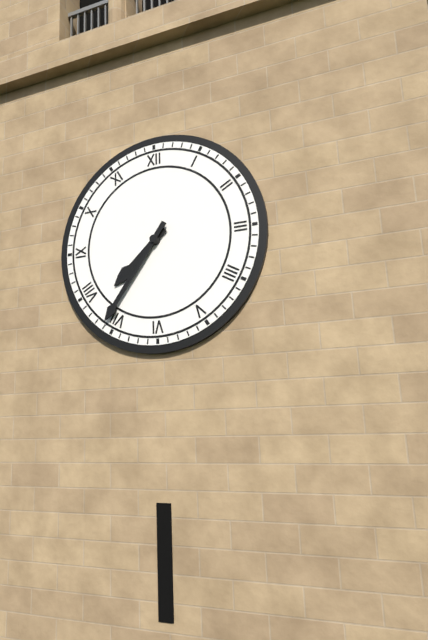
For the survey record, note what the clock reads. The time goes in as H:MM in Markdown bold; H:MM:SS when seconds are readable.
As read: **7:36**
